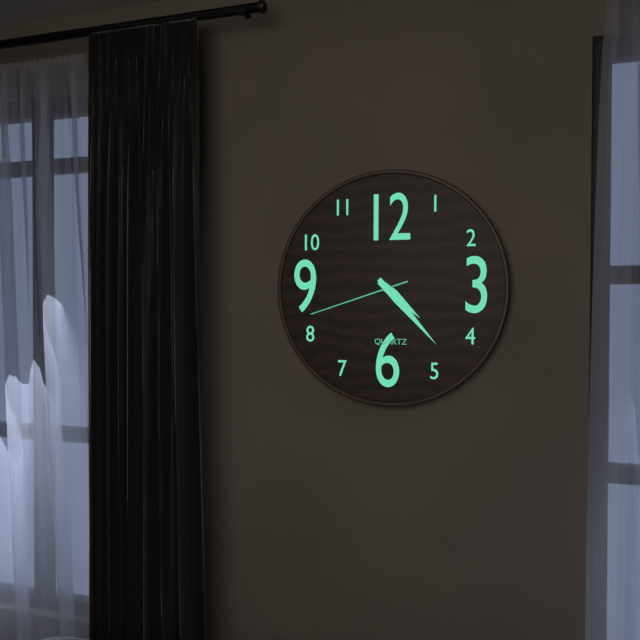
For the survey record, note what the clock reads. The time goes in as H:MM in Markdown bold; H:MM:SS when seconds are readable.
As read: **4:23:42**
